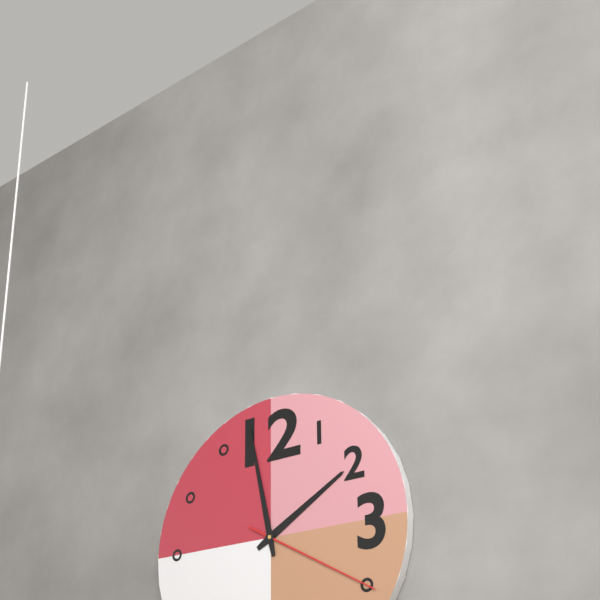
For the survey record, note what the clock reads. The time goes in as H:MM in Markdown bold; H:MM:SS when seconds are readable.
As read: **1:58:20**
